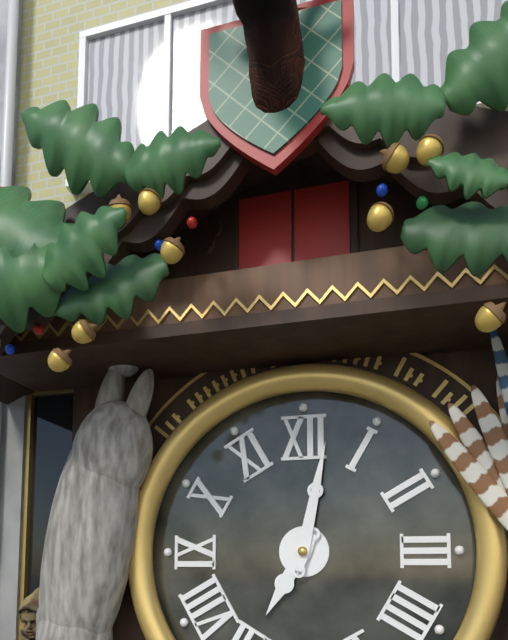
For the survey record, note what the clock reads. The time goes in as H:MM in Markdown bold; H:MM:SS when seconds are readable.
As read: **7:02**
